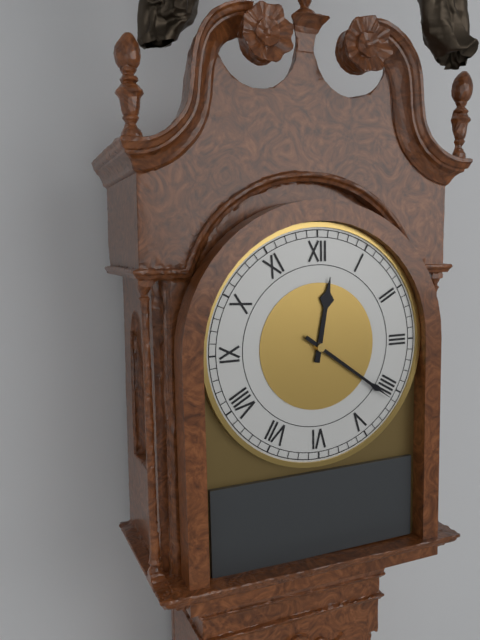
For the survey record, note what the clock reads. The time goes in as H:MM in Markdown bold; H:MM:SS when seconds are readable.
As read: **12:21**
